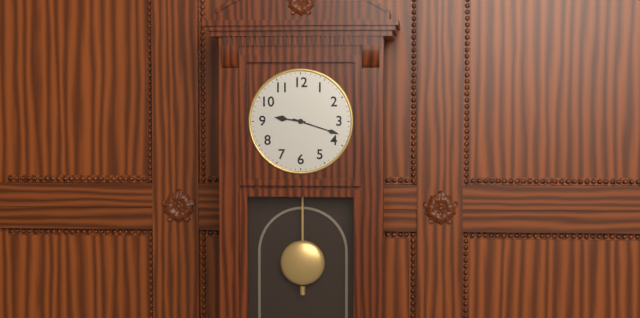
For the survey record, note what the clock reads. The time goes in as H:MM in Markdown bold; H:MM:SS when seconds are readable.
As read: **9:18**
